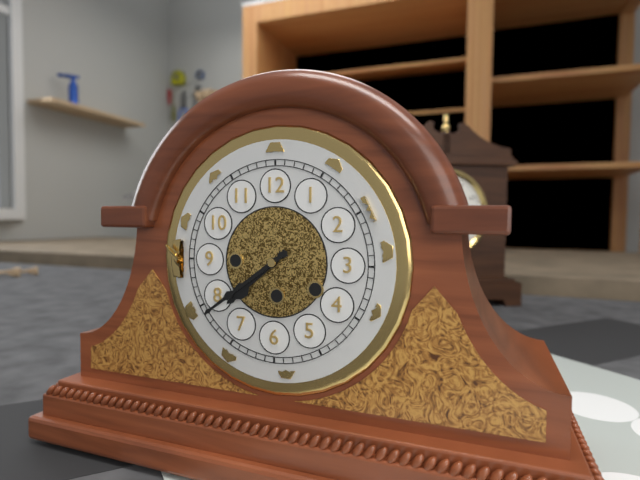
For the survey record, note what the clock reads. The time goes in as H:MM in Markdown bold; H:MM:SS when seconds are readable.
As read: **7:39**
